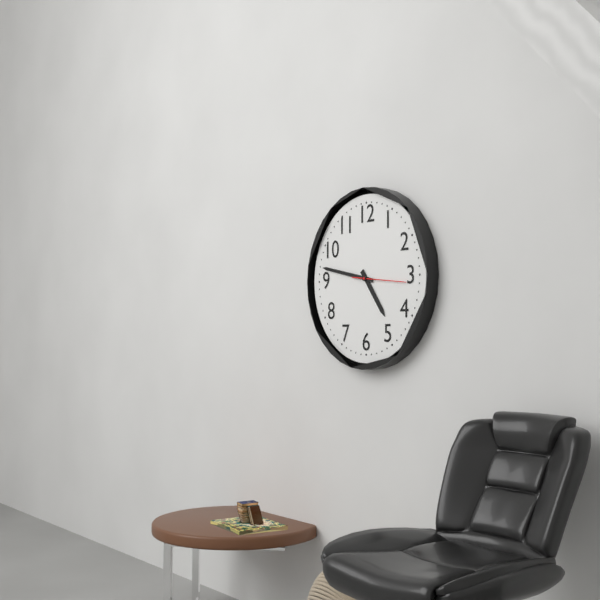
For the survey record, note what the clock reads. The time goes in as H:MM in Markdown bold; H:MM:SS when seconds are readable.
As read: **4:47**
